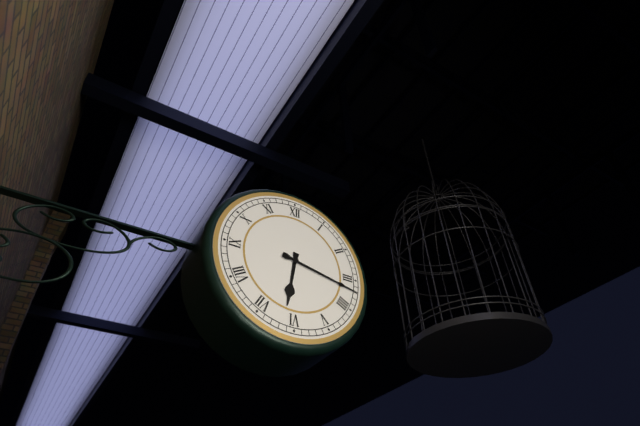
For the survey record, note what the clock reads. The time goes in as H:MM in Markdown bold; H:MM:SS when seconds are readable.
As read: **6:17**
